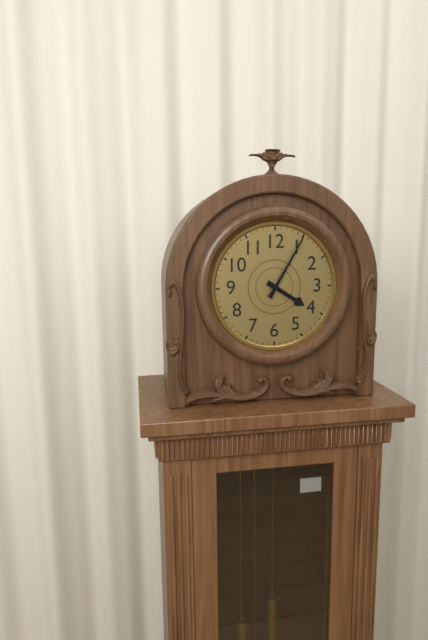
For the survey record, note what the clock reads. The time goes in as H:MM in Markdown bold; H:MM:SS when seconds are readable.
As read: **4:05**
